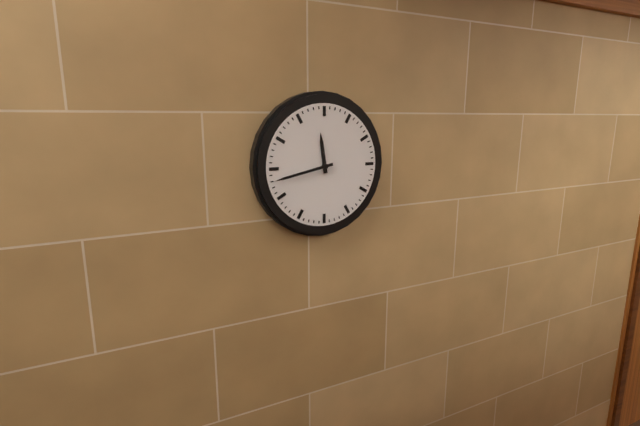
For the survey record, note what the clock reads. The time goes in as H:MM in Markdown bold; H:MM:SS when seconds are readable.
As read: **11:43**
